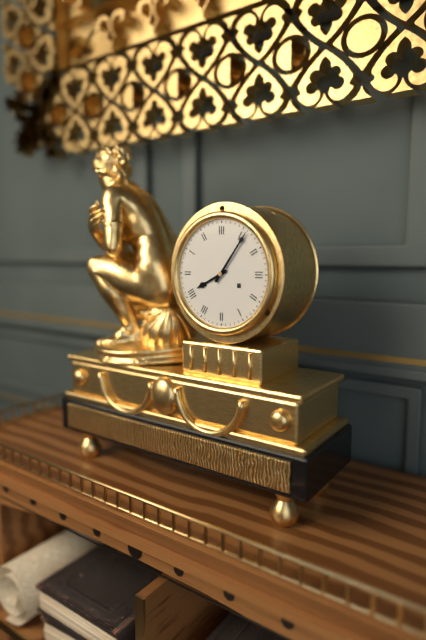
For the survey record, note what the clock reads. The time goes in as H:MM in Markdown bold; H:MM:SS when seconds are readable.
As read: **8:06**
